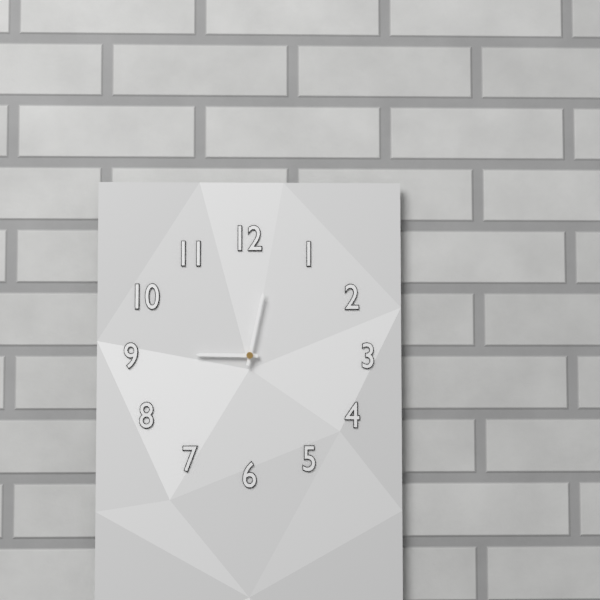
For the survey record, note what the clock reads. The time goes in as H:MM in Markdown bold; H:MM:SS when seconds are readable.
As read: **9:02**
